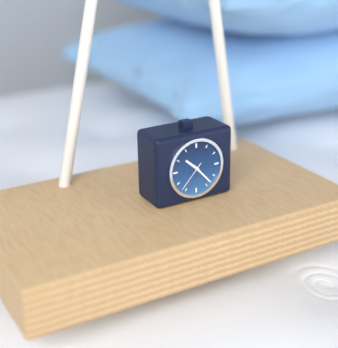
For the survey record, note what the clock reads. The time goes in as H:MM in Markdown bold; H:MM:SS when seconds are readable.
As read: **10:23**
